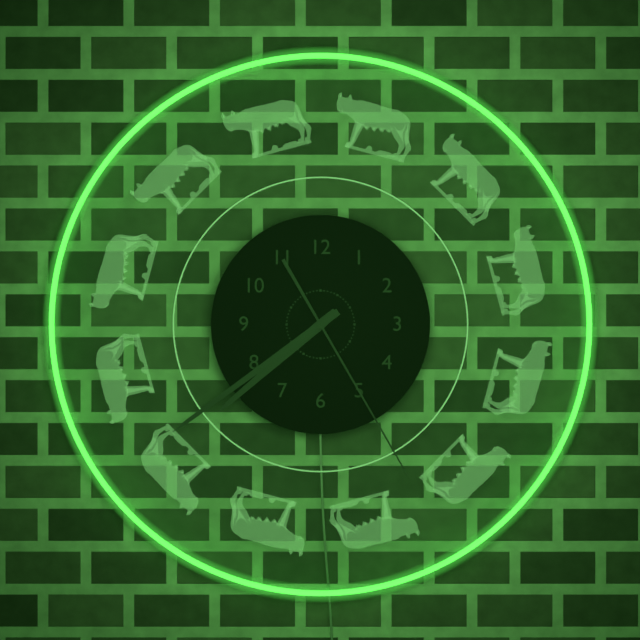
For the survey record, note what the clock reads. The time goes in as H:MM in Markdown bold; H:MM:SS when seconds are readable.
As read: **7:39:25**
